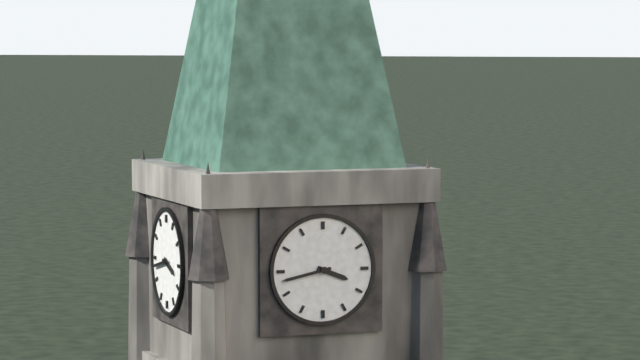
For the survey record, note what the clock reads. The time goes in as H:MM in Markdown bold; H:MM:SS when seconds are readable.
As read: **3:43**
